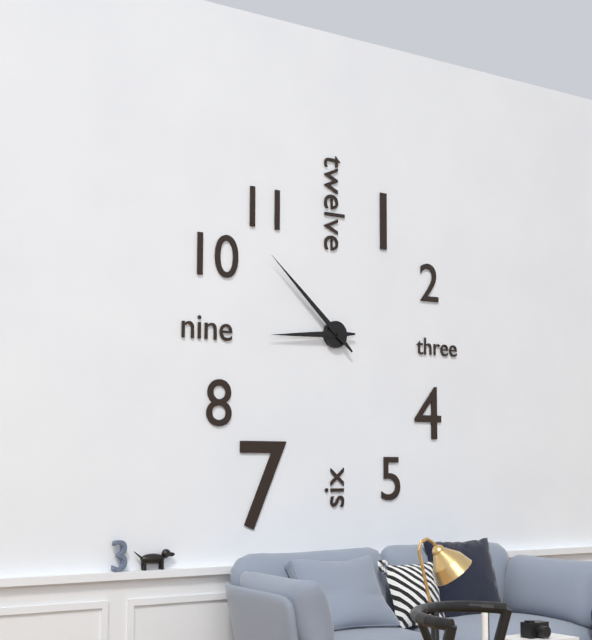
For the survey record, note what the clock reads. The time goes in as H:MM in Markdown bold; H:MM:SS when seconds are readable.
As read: **8:52**
